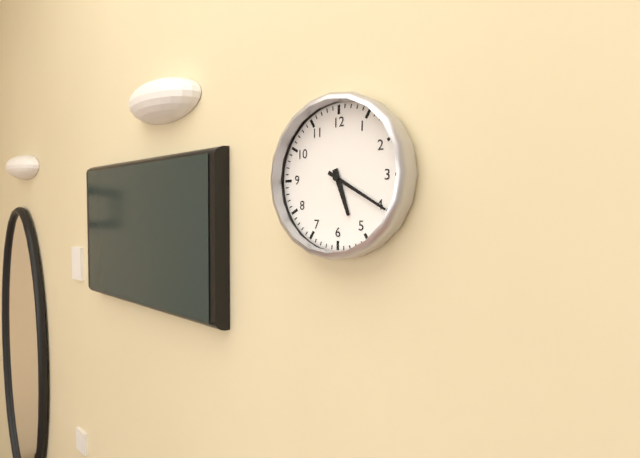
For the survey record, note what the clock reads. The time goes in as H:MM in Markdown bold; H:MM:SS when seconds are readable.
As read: **5:20**
